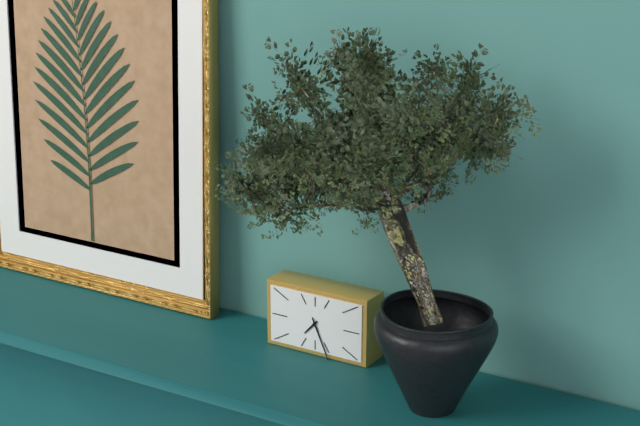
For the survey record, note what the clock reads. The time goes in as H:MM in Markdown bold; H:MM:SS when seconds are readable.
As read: **7:26**
